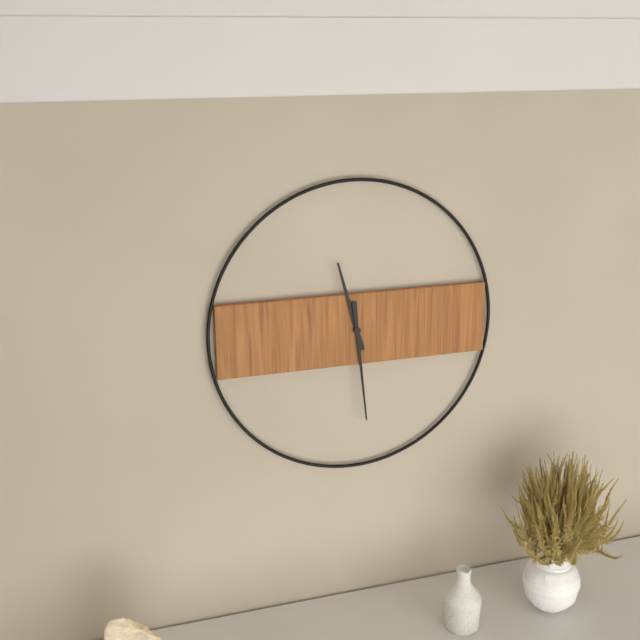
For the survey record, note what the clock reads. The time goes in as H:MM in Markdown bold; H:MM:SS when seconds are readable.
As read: **11:29**
